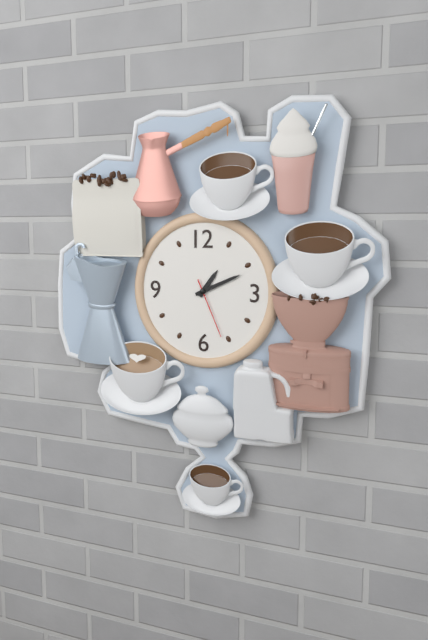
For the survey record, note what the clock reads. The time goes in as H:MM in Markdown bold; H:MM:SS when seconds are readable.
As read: **1:11:26**
